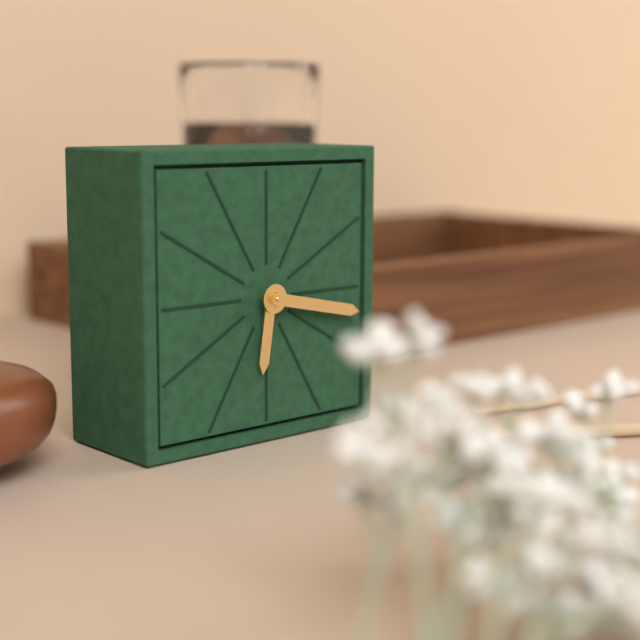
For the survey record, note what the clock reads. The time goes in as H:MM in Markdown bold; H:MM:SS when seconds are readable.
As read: **6:17**
